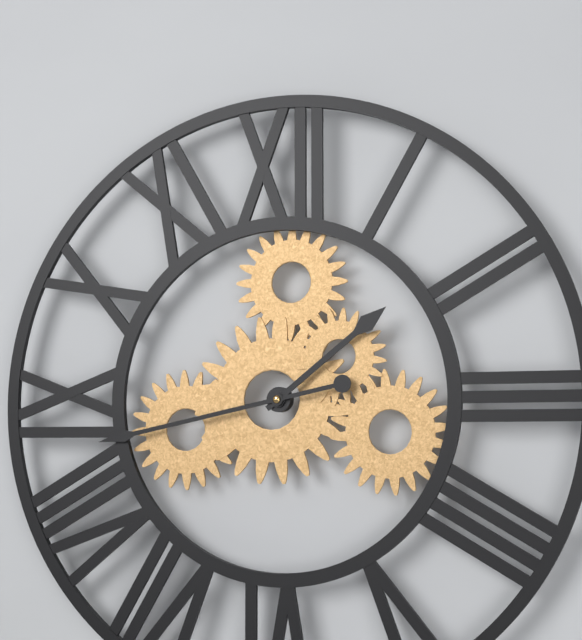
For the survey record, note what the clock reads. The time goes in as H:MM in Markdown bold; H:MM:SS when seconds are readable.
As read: **1:43**
